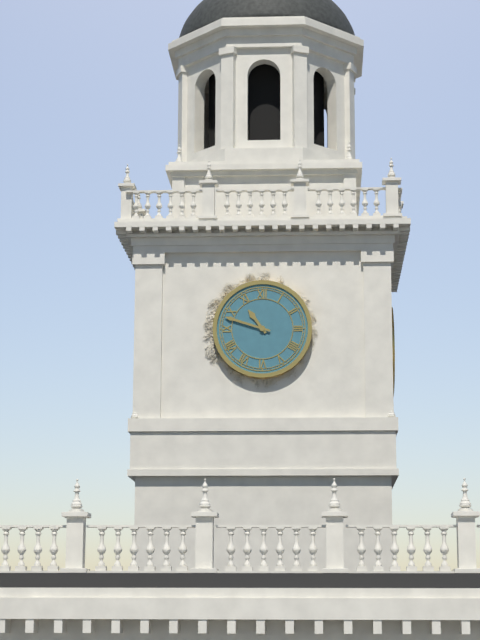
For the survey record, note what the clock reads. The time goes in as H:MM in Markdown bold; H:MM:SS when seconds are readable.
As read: **10:48**
